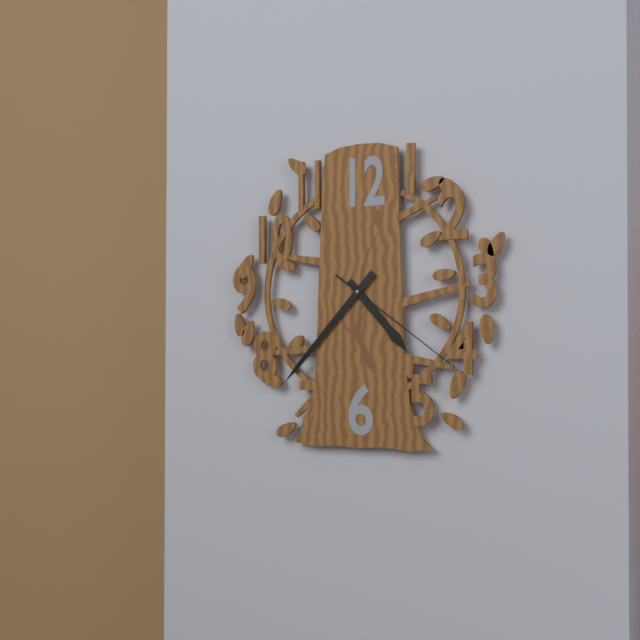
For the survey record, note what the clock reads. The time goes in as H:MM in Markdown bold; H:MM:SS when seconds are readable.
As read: **4:37:21**
